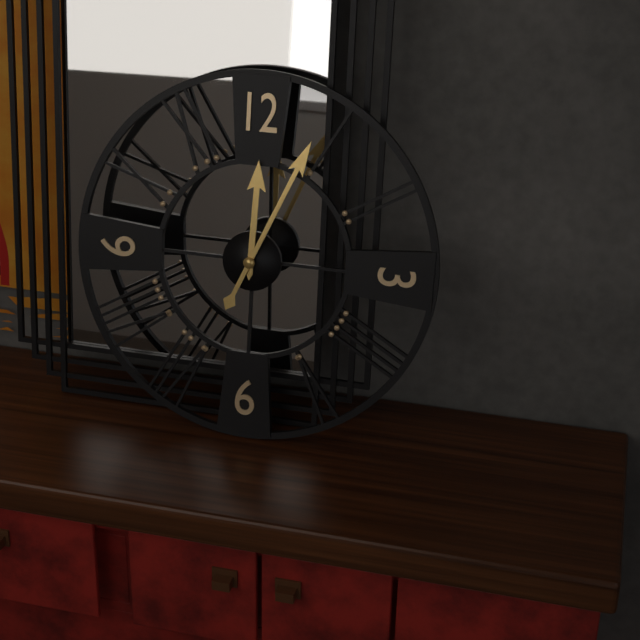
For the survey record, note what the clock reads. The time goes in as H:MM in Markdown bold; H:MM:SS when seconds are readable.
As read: **12:04**
